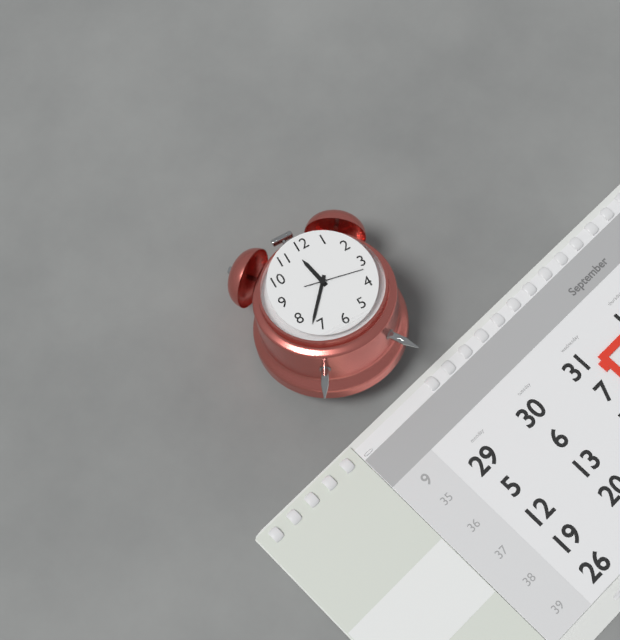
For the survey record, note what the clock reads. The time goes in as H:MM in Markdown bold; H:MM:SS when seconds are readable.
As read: **11:37:17**
